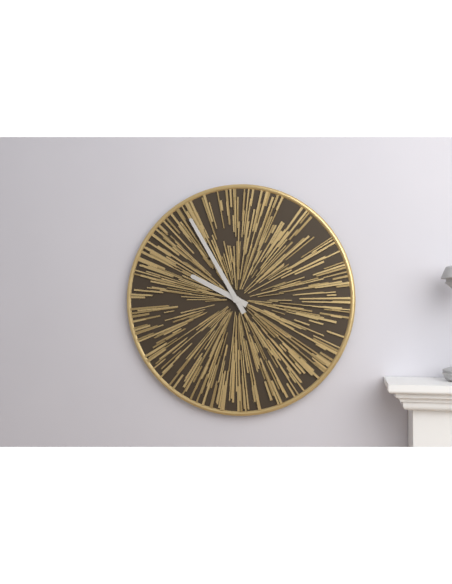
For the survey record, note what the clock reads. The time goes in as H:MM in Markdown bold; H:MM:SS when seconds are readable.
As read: **9:55**
